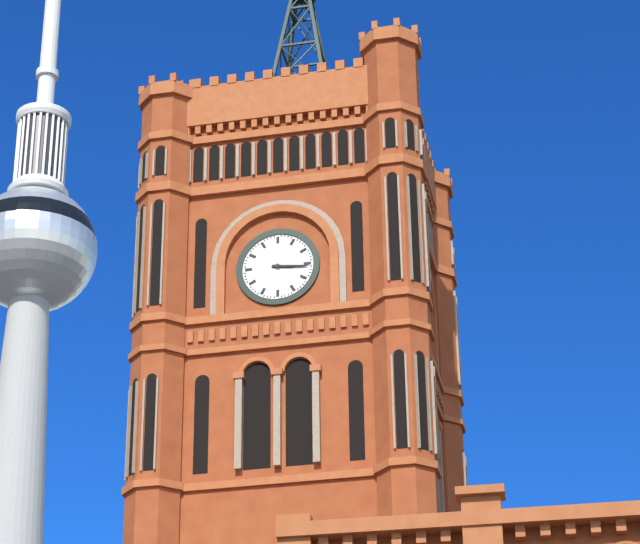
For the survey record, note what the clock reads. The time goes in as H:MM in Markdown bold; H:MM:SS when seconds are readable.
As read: **3:16**
